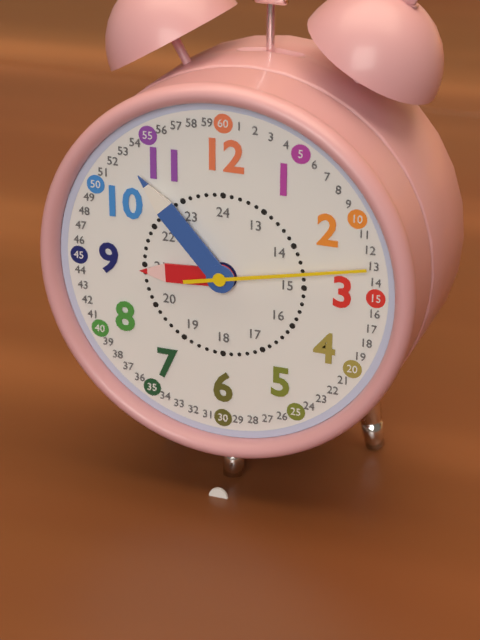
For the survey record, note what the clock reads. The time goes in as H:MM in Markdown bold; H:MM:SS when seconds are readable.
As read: **8:53:13**
